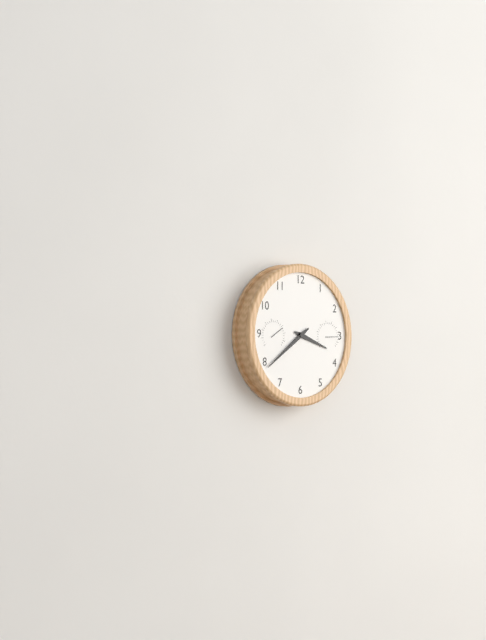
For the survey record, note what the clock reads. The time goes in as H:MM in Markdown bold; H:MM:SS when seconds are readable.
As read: **3:39**
